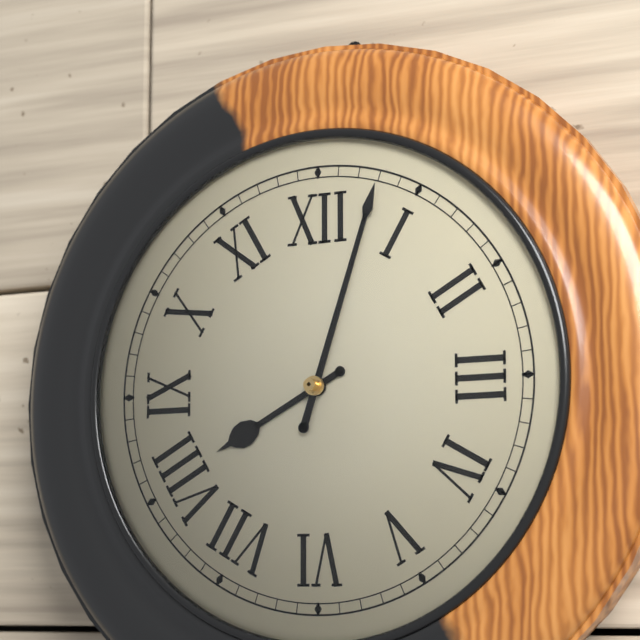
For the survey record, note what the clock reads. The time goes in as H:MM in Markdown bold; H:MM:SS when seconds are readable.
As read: **8:03**
